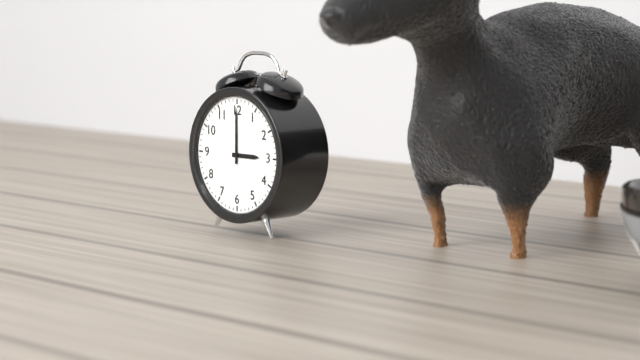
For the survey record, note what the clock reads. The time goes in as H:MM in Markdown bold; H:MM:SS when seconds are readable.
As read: **3:00**
